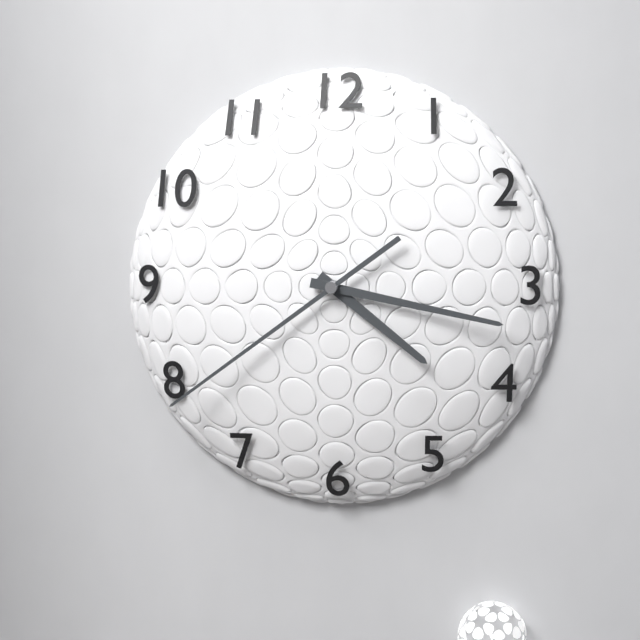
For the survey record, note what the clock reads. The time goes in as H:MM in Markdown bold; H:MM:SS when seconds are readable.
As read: **4:17:39**
